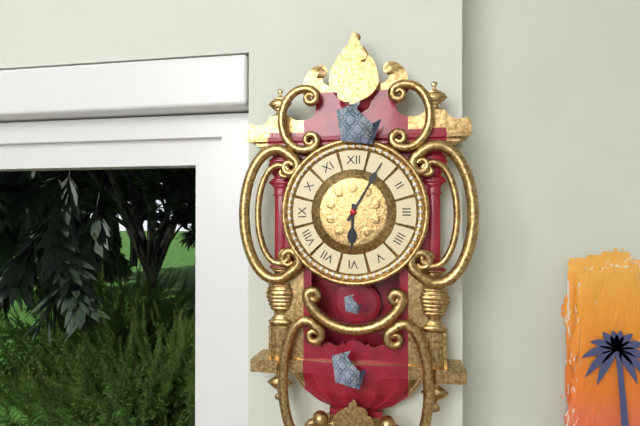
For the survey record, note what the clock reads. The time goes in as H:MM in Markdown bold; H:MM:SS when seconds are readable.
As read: **6:05**
